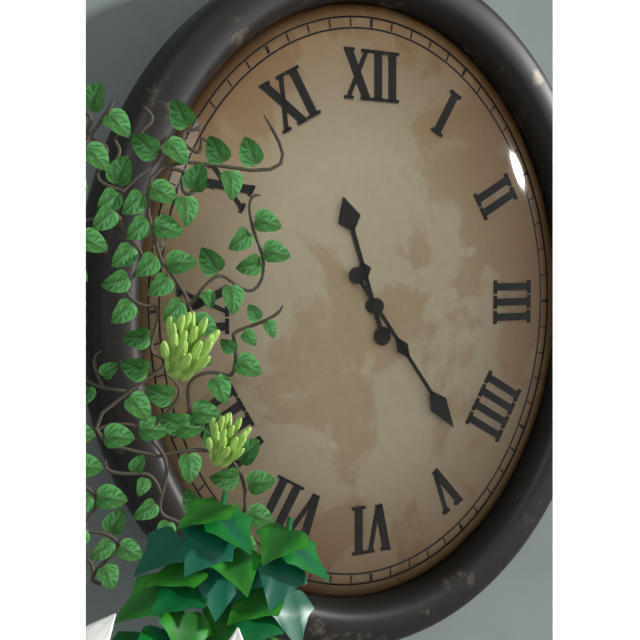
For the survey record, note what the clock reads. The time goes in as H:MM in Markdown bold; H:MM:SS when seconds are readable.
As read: **11:24**
